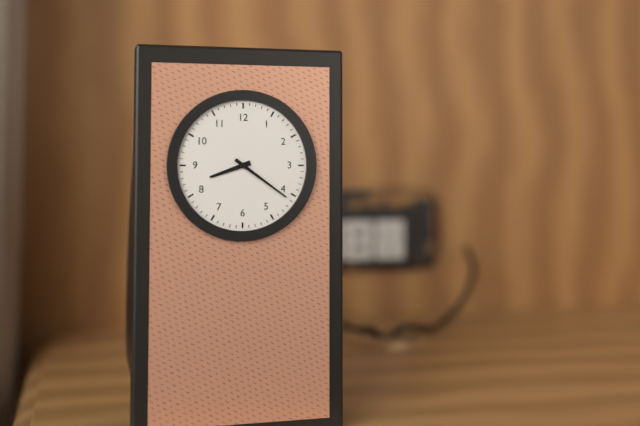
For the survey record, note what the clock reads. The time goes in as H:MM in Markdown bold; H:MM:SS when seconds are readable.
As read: **8:21**
